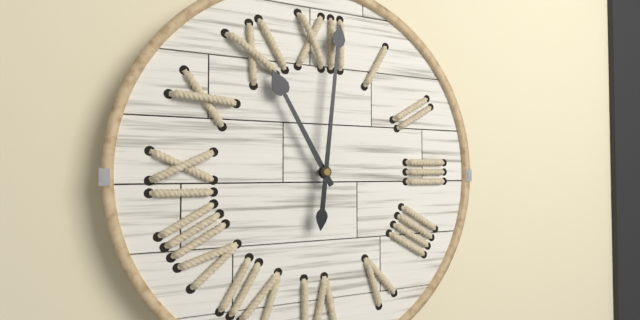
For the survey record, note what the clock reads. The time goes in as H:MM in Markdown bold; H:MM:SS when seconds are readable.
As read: **11:01**
